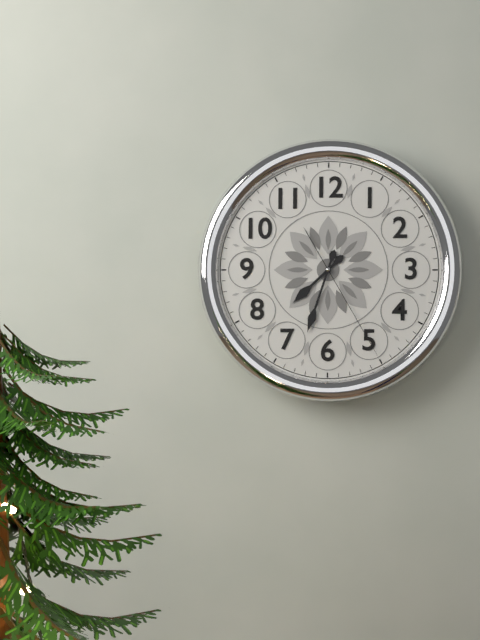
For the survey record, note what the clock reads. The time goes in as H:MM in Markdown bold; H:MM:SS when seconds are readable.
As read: **7:33:25**
